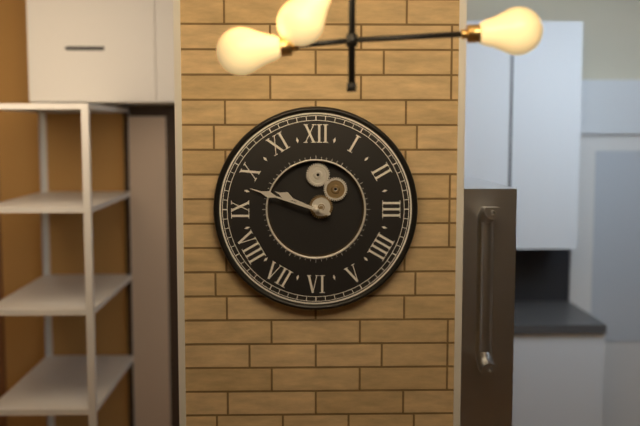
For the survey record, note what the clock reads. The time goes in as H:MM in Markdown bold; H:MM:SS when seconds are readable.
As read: **9:48**
